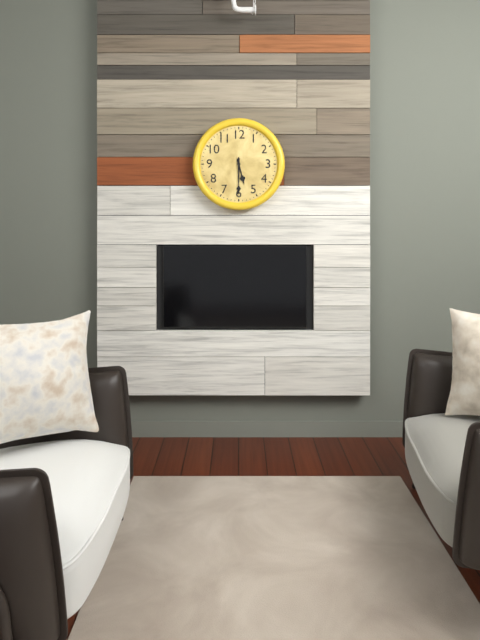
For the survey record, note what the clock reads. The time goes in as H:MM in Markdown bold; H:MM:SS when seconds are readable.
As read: **5:30**
